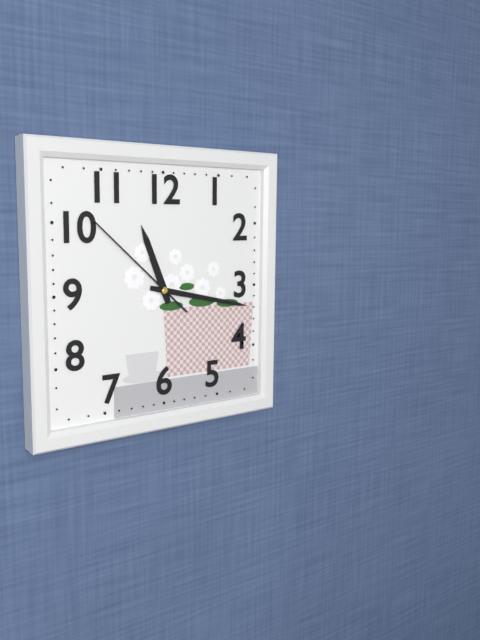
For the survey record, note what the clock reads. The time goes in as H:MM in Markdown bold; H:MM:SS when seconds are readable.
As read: **11:17:52**
